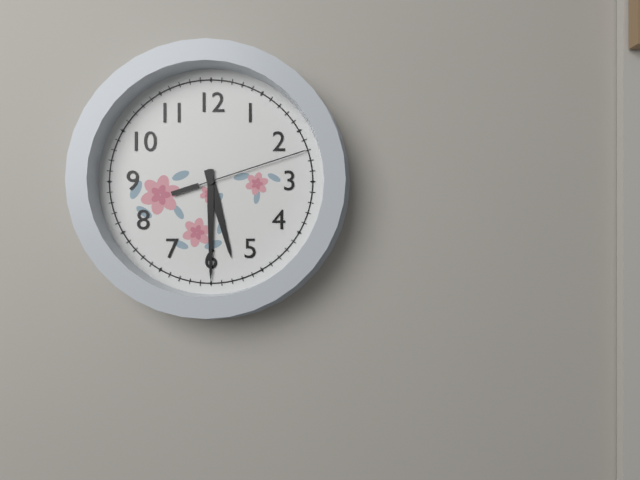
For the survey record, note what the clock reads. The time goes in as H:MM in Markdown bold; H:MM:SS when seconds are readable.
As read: **5:30:12**
